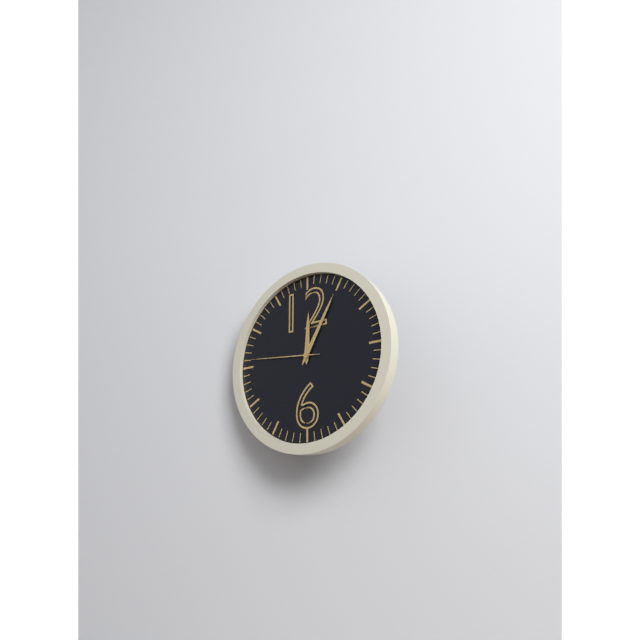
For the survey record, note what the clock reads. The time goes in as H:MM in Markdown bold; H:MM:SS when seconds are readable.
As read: **12:05:46**
